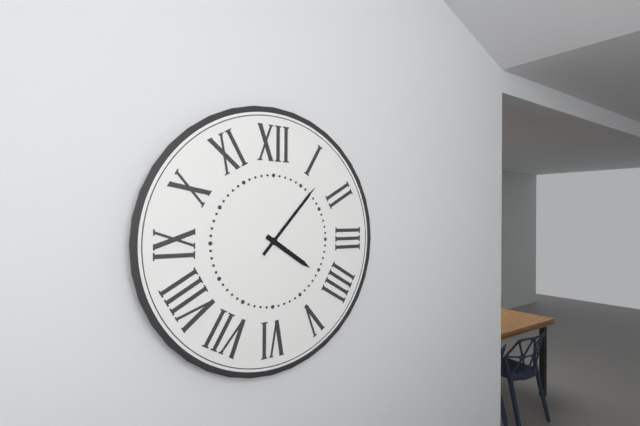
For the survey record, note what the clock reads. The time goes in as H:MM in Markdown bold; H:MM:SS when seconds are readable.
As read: **4:07**
